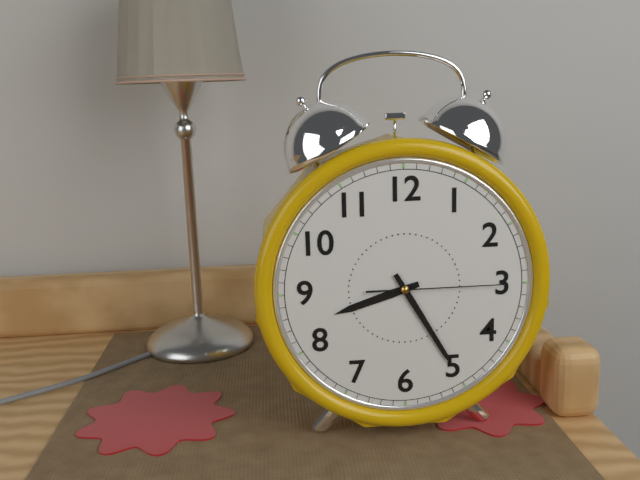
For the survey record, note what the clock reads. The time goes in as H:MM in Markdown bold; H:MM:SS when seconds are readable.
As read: **8:25:15**
